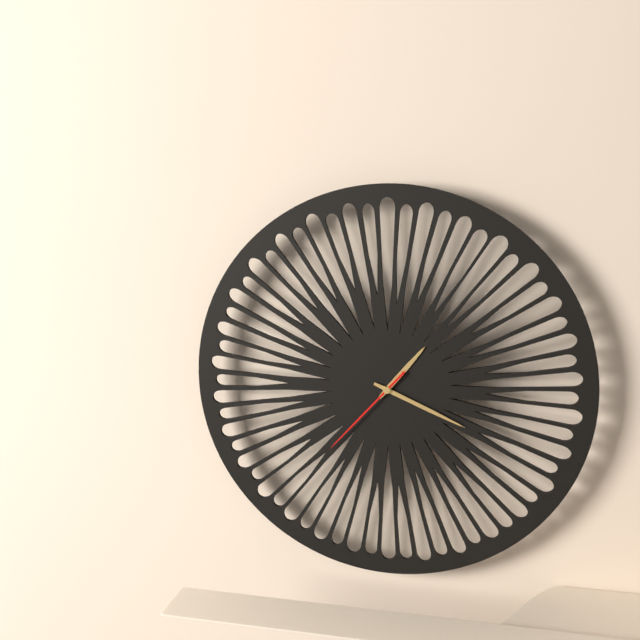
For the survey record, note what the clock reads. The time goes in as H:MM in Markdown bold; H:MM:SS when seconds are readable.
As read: **1:19:37**
